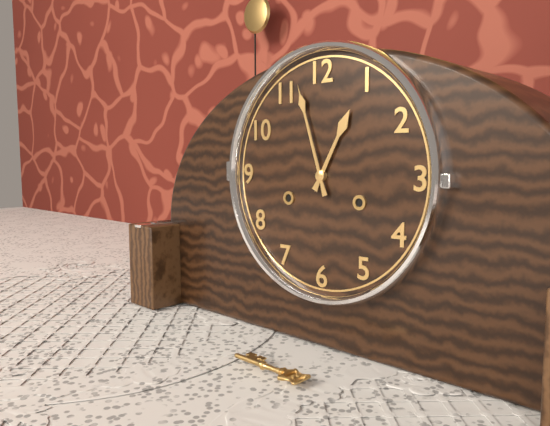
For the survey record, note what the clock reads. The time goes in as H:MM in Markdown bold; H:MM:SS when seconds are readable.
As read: **12:57**
